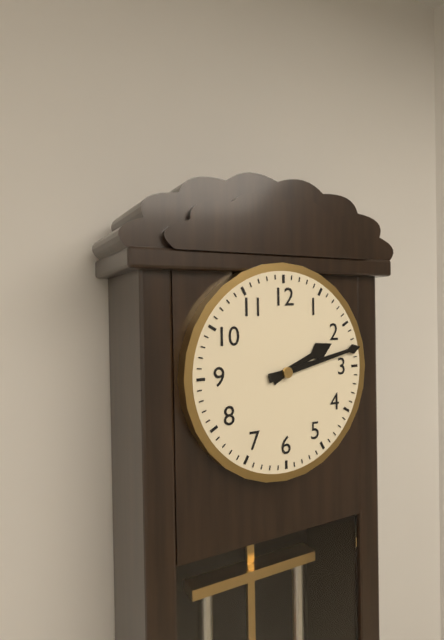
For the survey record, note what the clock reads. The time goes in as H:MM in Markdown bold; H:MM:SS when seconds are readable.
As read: **2:13**
